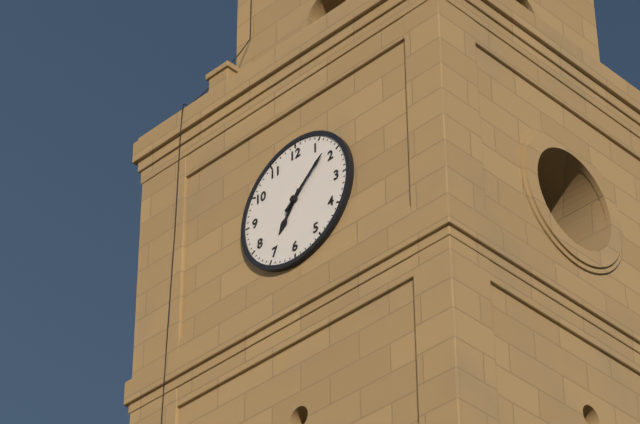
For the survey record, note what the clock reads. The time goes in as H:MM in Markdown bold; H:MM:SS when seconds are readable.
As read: **7:08**
